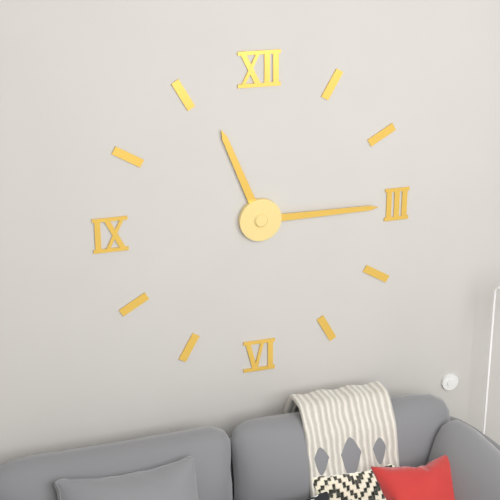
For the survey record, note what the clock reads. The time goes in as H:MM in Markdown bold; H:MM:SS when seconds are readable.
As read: **11:15**
